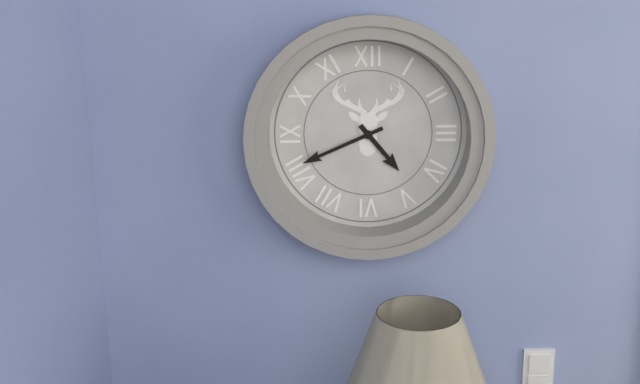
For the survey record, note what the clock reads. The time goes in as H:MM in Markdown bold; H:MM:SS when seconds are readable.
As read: **4:41**
